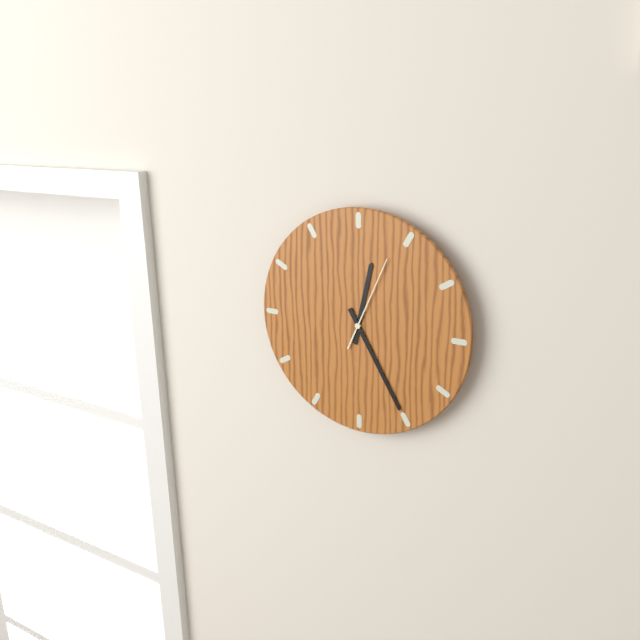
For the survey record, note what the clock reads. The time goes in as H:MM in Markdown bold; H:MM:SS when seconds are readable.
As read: **12:25:04**
